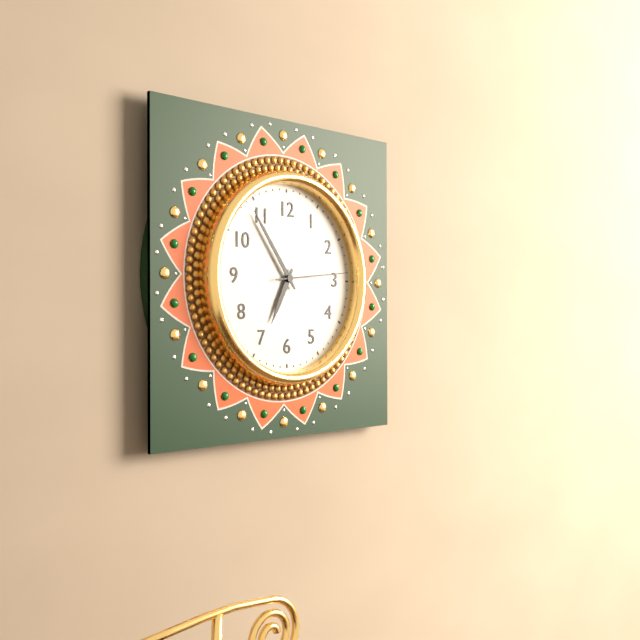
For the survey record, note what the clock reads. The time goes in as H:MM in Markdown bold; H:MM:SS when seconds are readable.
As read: **6:54:14**
